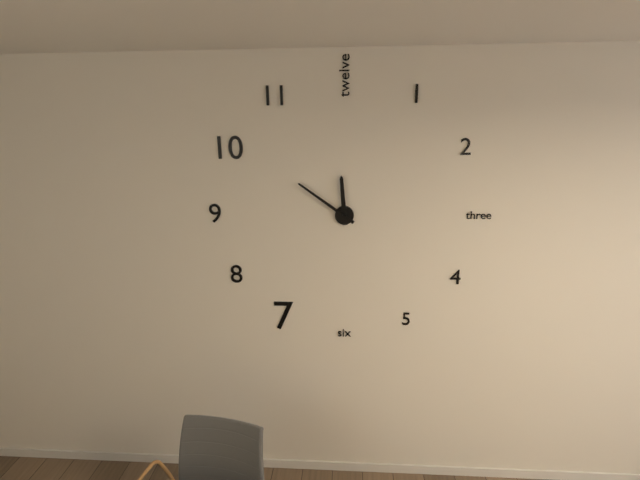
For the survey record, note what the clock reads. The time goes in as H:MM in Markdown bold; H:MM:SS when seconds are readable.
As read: **11:51**
